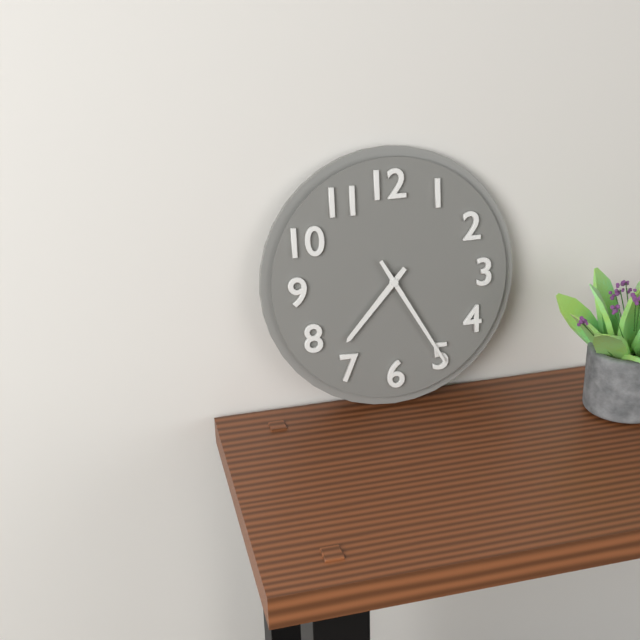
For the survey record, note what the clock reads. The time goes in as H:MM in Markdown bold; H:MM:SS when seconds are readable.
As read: **7:25**
